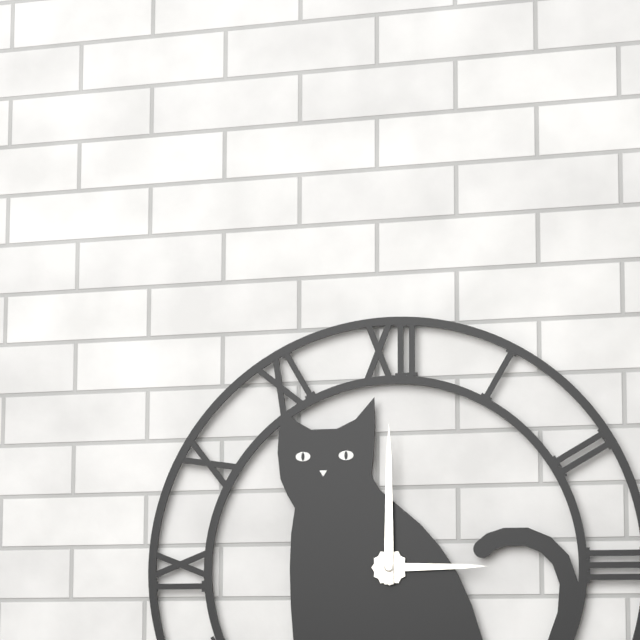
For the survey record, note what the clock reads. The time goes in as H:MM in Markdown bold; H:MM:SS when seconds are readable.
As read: **3:00**
